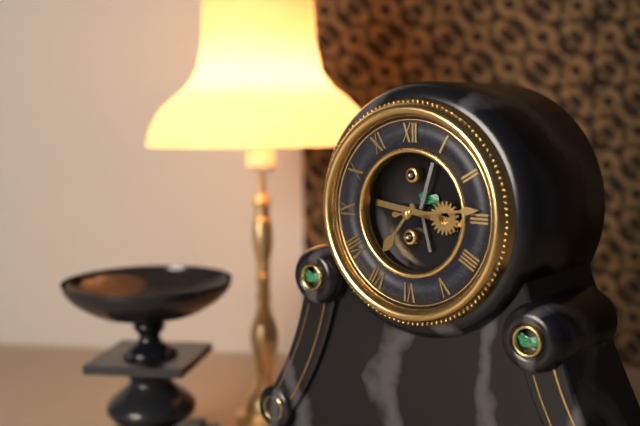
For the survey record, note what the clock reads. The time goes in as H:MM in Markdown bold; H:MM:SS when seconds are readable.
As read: **7:14**
